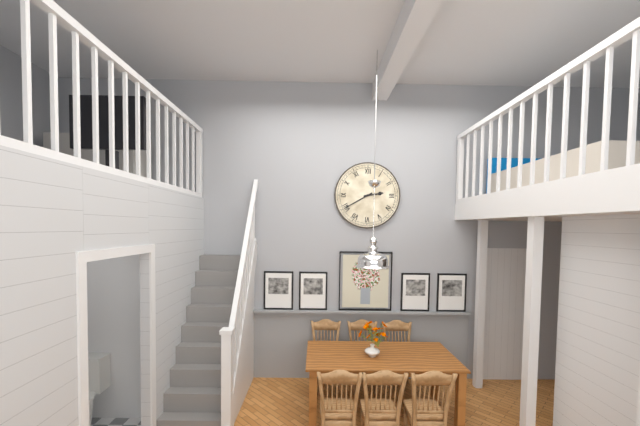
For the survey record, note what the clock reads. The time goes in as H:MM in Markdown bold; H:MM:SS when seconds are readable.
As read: **2:40**
